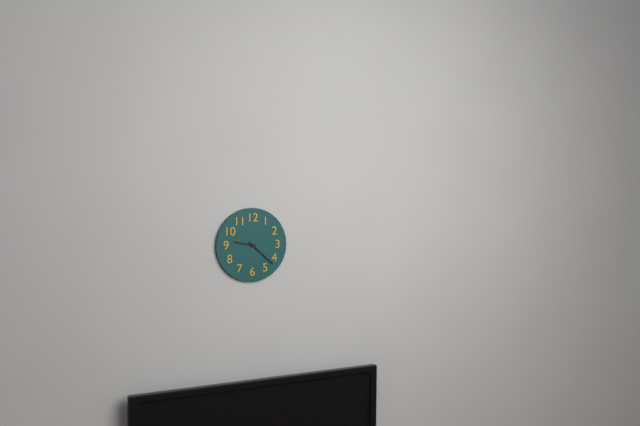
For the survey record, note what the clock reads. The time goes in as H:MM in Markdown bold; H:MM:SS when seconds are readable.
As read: **9:22**
